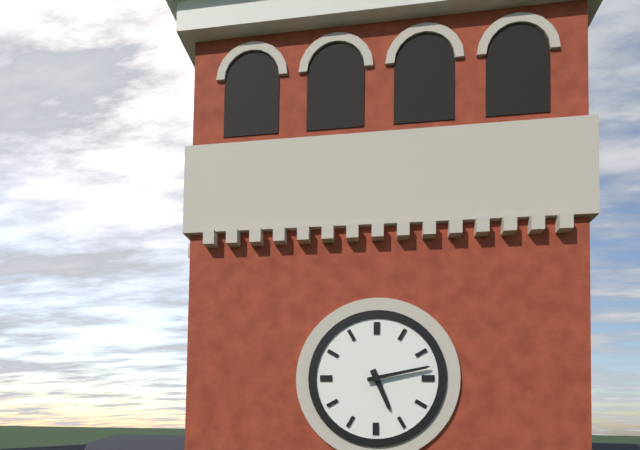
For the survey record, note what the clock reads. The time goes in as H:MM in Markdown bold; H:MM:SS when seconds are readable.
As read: **5:13**
